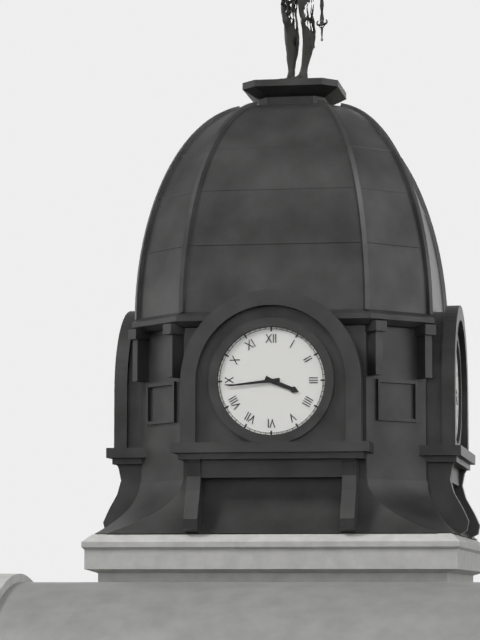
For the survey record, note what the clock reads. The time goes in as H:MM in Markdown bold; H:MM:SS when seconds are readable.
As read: **3:44**
